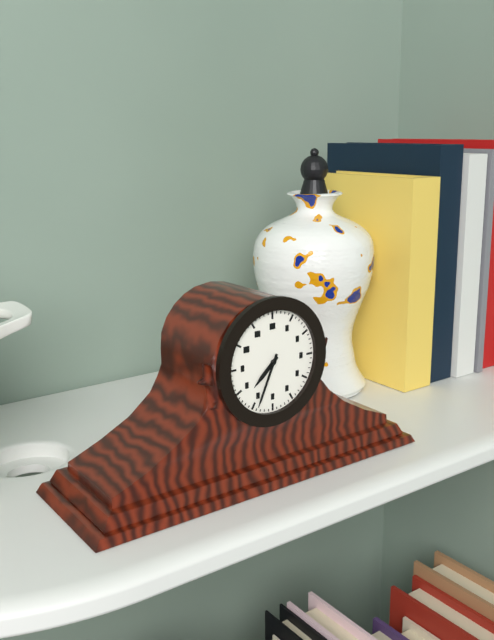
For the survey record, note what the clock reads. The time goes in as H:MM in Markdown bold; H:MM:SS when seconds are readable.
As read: **7:34**
